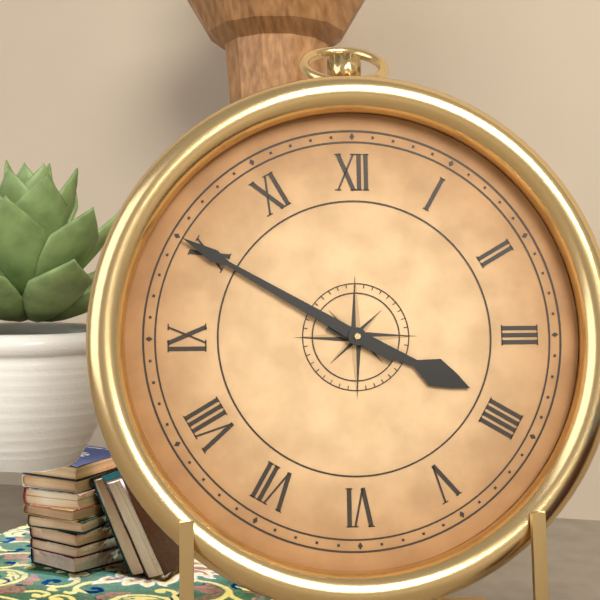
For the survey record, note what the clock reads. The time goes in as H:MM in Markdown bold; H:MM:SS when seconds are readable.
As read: **3:50**
